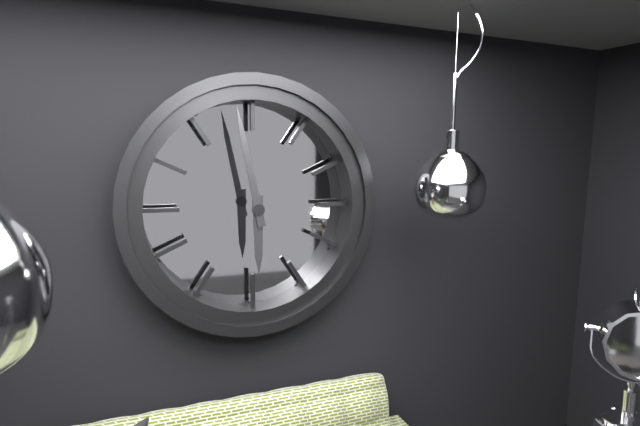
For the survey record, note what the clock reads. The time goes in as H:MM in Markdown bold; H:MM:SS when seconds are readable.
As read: **5:58**
